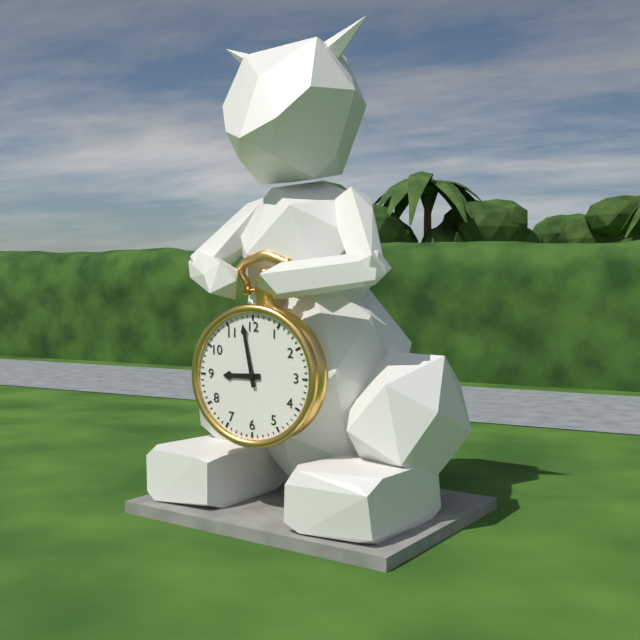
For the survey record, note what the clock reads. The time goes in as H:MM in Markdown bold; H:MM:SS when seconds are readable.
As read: **8:58**
